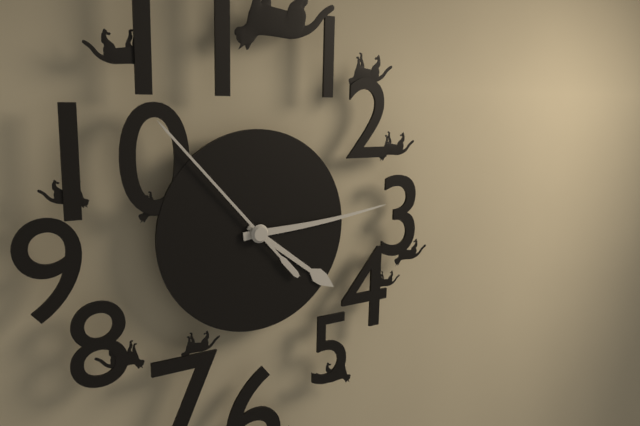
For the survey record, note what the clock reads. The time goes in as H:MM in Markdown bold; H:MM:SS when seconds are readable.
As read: **4:14:53**
